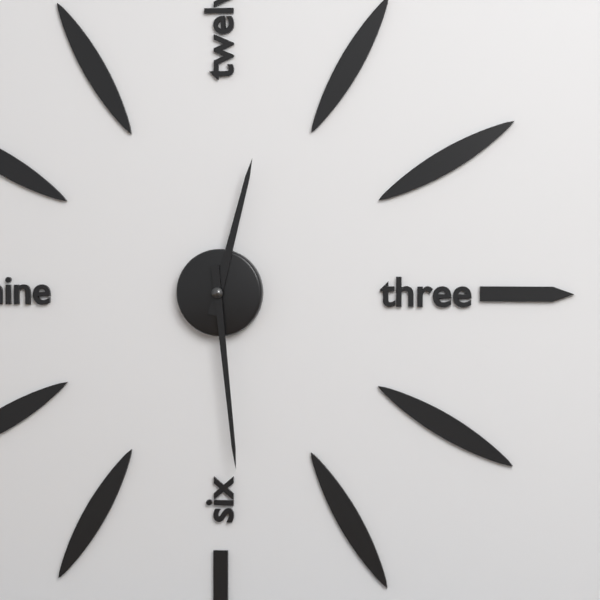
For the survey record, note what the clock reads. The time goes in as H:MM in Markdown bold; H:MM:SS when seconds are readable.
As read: **12:29**
